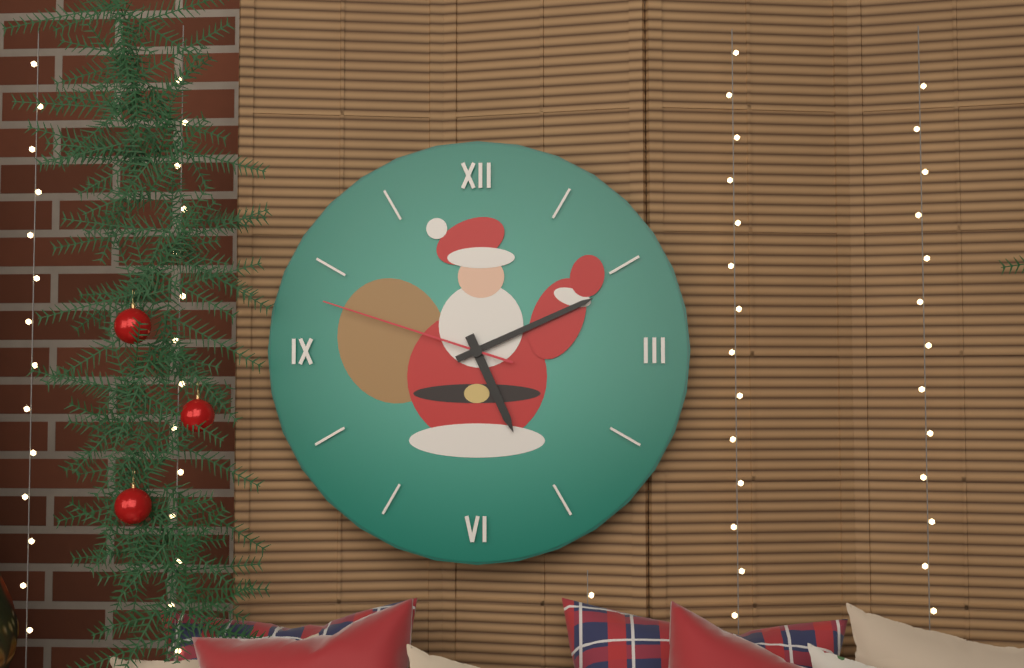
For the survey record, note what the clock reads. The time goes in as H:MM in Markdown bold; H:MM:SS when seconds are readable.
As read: **5:11:48**
